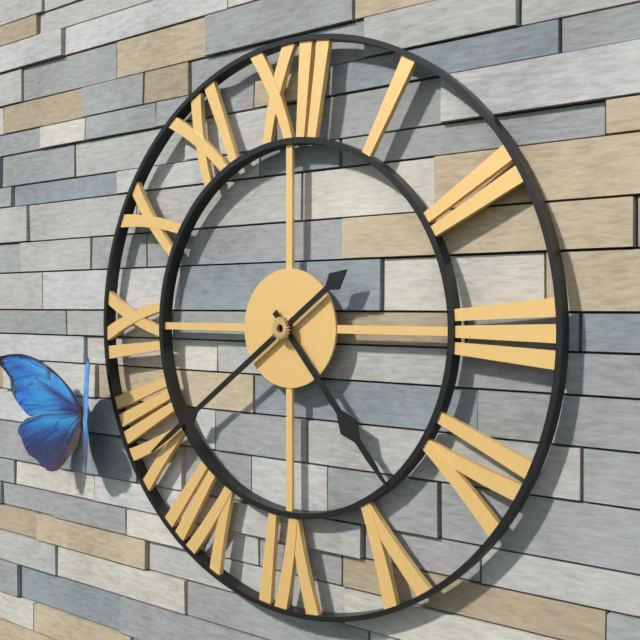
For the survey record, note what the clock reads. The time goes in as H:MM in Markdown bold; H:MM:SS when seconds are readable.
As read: **4:39**
